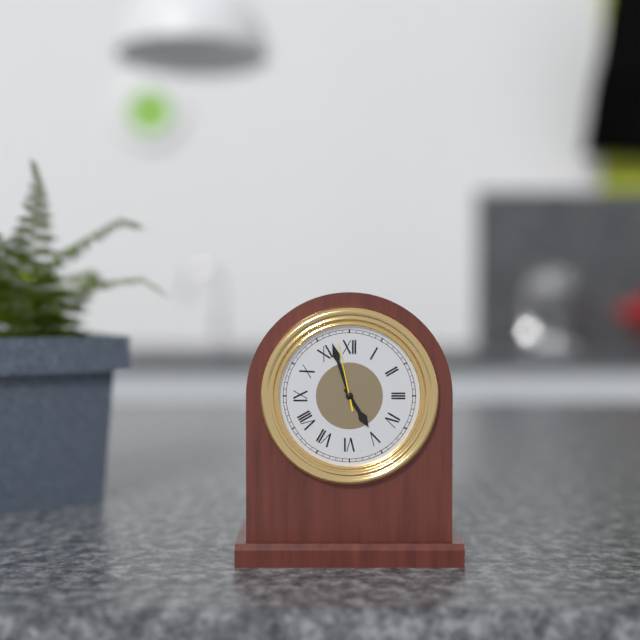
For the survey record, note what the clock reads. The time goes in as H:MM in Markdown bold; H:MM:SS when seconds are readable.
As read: **4:57:58**
